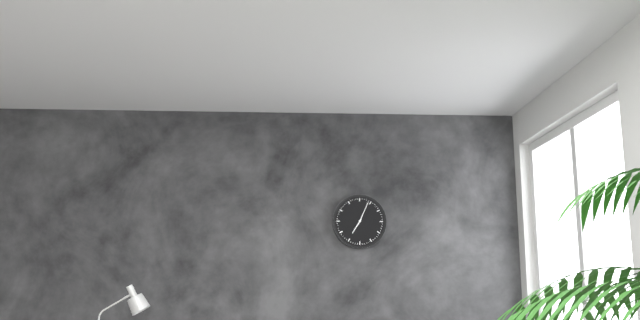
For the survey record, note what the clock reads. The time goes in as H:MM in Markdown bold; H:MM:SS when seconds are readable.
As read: **7:04**
